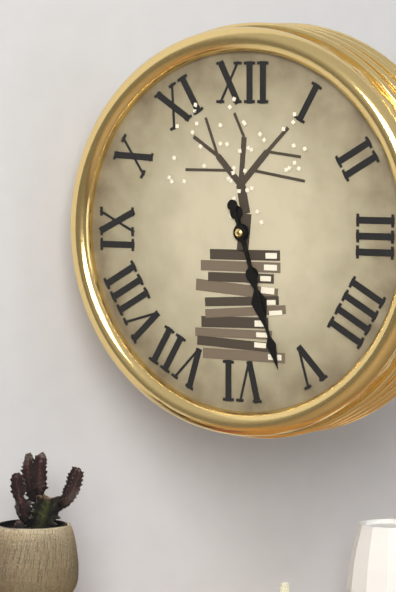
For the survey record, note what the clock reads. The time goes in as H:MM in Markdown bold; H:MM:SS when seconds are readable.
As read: **5:27**
